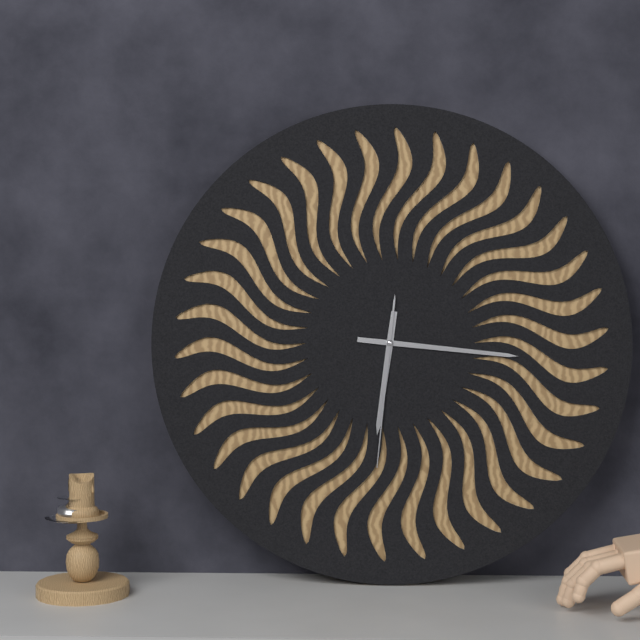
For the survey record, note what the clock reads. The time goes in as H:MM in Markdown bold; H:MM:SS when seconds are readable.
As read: **6:16:31**
